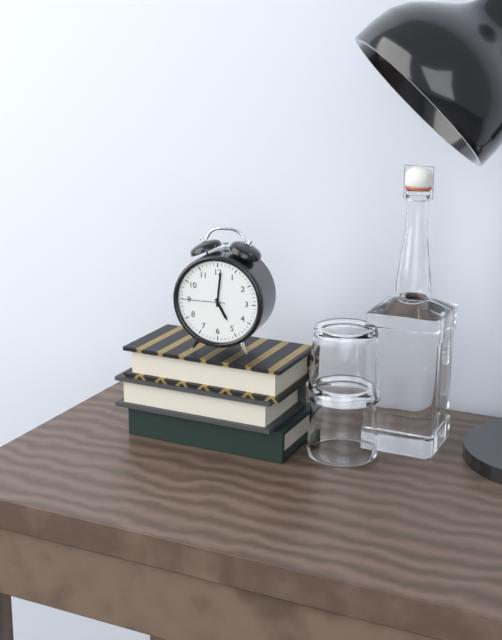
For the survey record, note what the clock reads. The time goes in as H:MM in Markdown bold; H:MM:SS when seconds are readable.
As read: **5:01**
